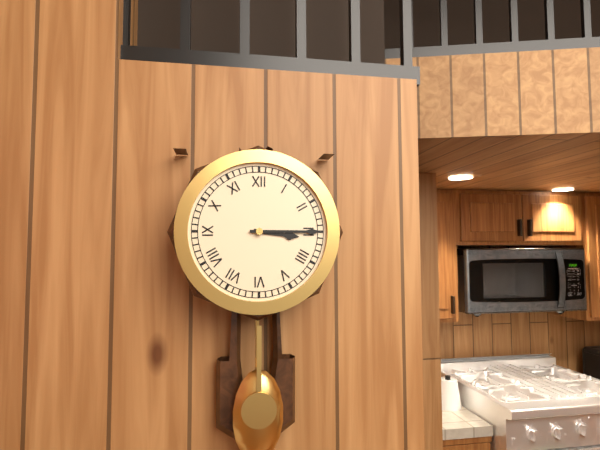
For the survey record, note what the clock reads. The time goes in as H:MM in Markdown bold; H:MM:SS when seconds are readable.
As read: **3:15**
